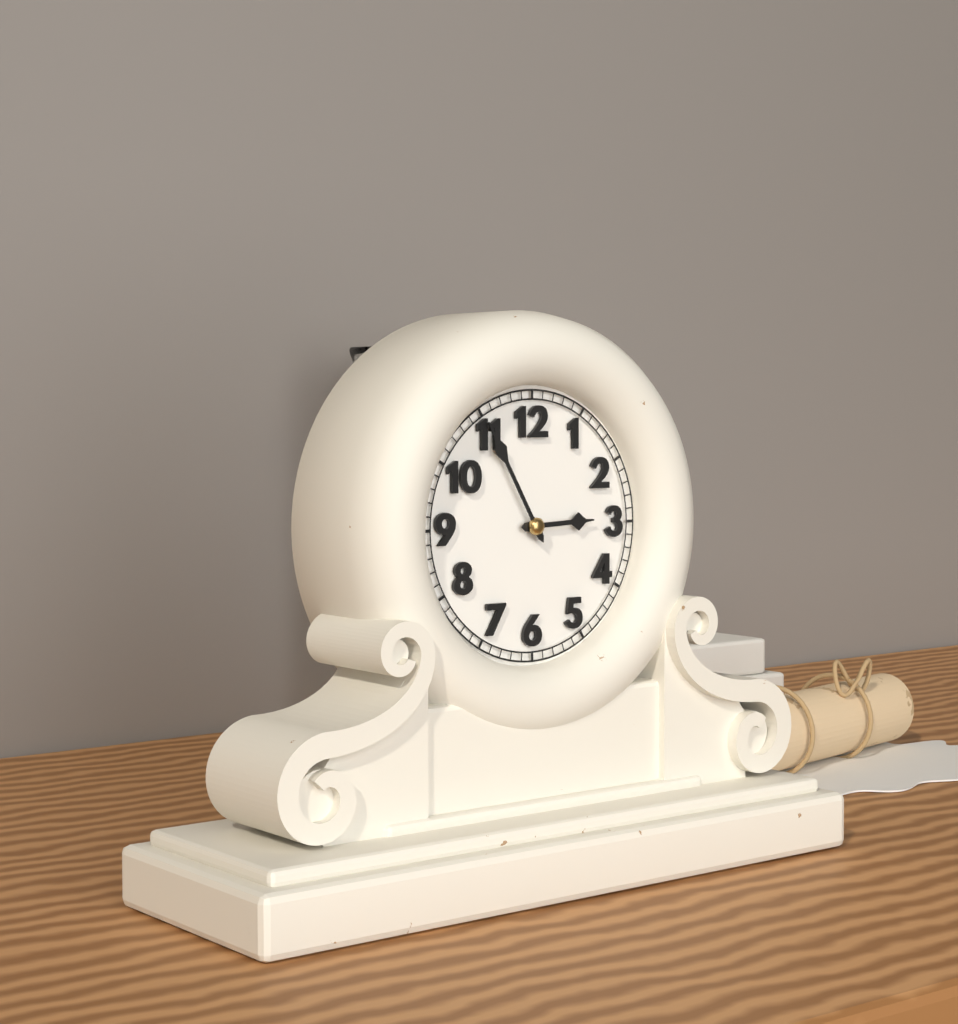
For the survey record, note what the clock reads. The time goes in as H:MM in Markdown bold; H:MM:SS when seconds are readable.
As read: **2:55**
